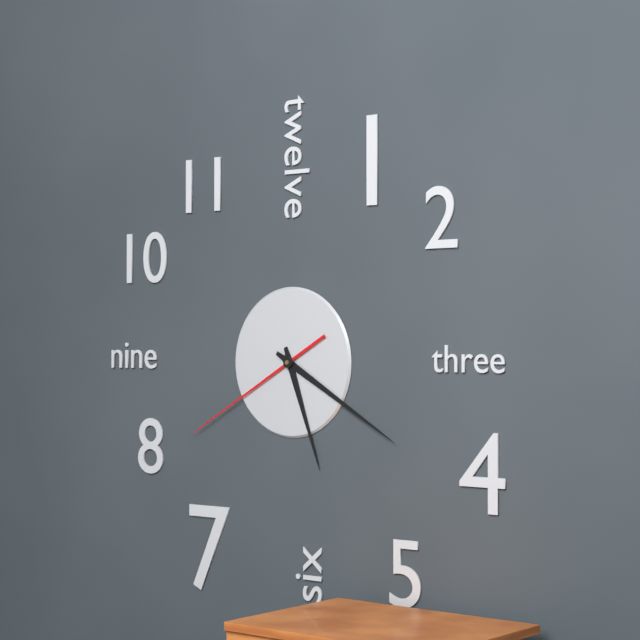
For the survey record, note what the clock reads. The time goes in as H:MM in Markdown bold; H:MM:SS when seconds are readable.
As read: **5:20:40**
